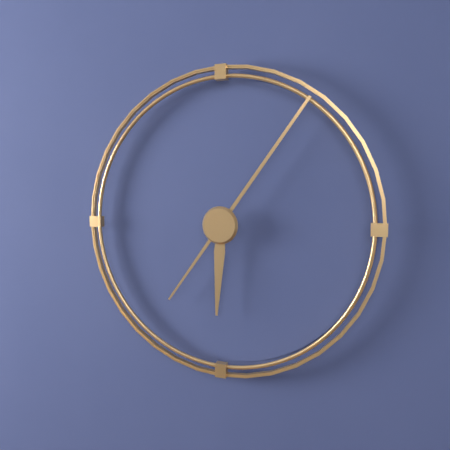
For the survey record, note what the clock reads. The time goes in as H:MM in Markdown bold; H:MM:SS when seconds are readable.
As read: **6:06**
